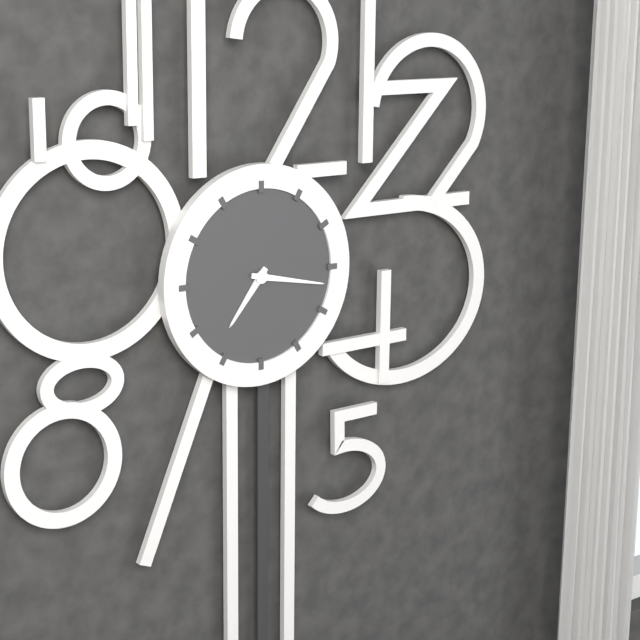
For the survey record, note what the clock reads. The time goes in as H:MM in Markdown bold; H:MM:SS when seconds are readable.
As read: **7:17**
